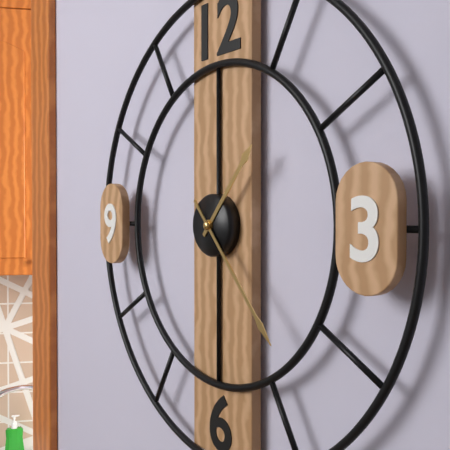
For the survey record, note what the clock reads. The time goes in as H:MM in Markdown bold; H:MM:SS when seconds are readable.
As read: **1:23**
